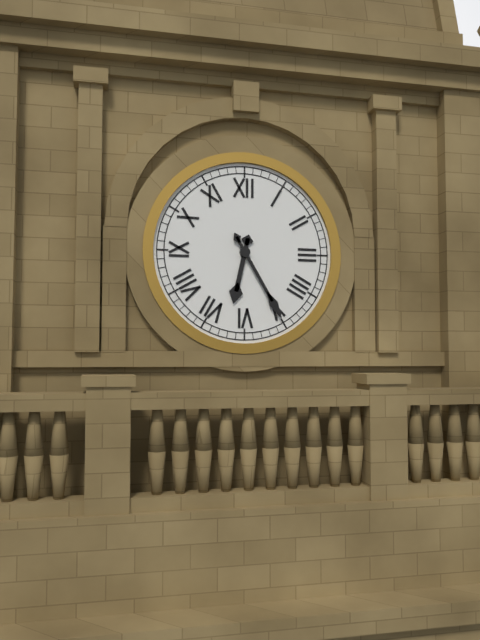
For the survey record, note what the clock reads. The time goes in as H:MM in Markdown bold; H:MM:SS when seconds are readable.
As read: **6:25**
